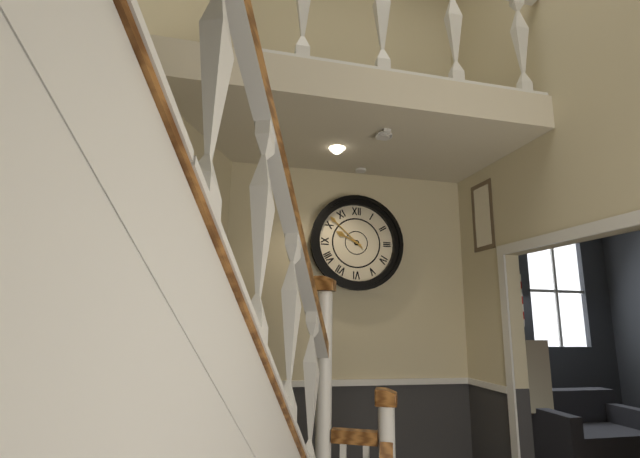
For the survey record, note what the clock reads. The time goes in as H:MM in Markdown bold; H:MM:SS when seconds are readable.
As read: **9:52**
